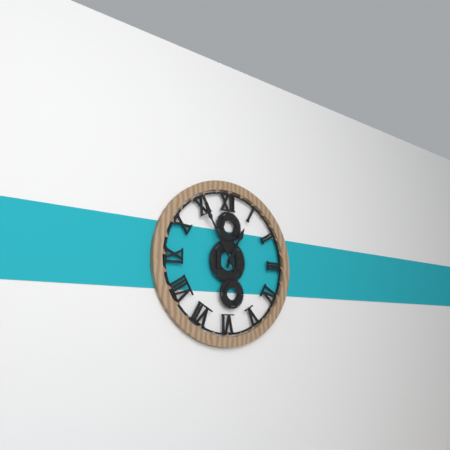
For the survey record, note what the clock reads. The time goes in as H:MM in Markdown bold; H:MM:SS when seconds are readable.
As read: **12:55**
